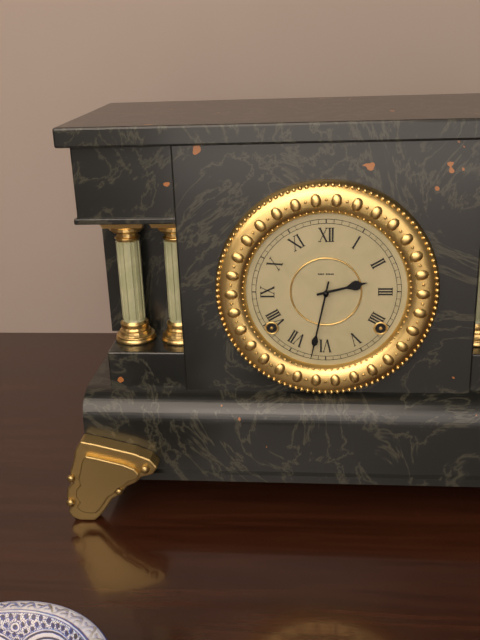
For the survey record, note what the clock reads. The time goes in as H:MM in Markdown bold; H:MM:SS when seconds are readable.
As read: **2:32**
